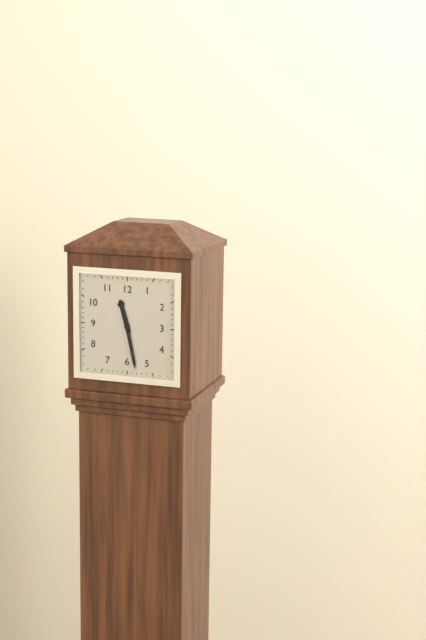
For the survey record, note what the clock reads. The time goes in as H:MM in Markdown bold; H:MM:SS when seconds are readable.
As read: **11:28**
